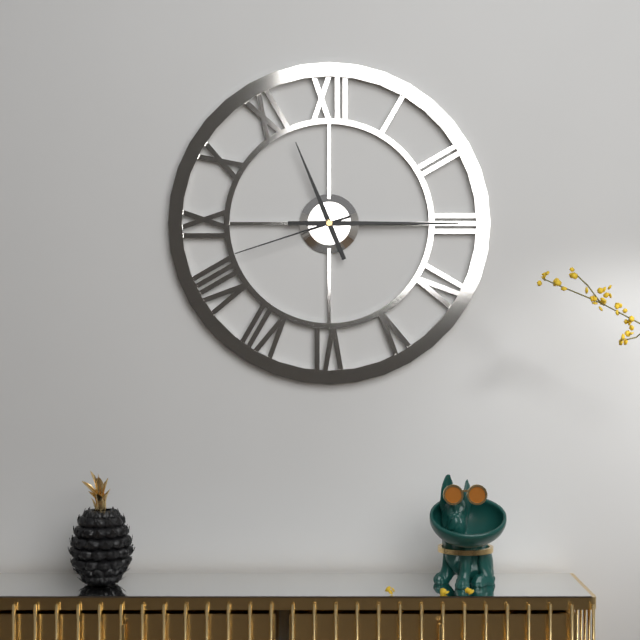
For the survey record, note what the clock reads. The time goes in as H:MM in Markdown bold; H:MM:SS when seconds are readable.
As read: **11:15:42**
